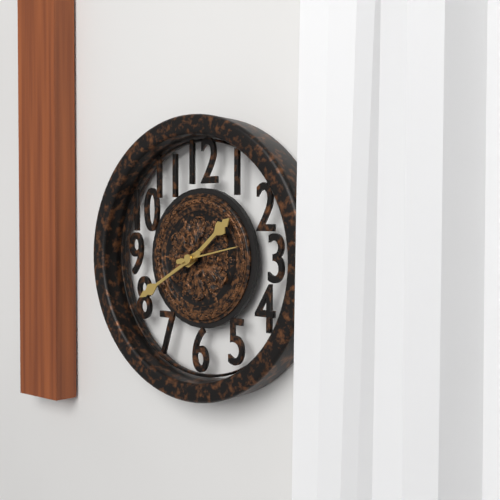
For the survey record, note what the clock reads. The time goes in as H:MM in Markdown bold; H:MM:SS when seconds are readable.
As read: **1:40:13**
